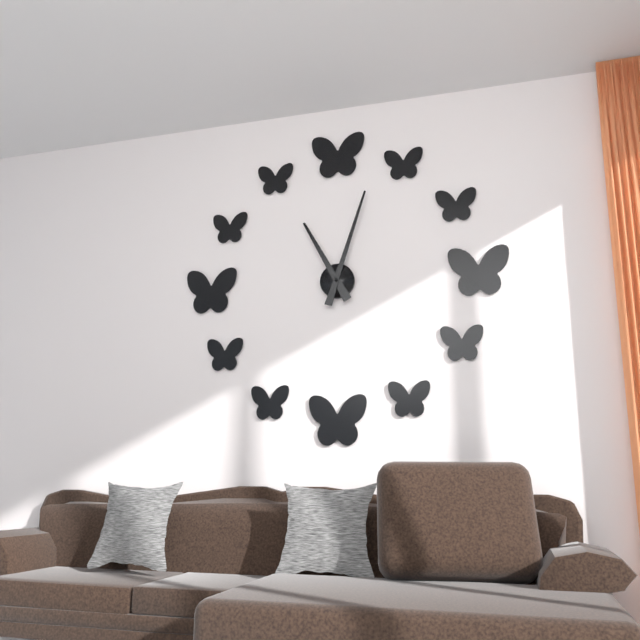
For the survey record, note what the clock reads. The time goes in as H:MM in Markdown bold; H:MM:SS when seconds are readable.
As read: **11:03**
